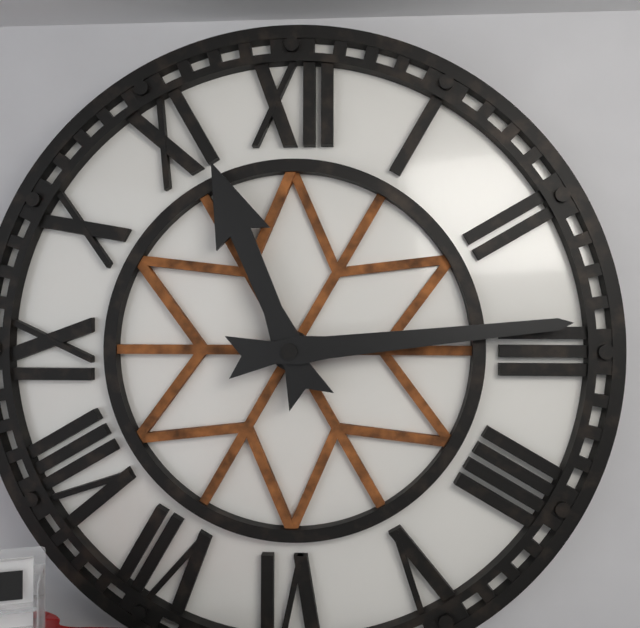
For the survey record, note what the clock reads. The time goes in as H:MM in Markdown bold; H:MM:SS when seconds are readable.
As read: **11:14**
